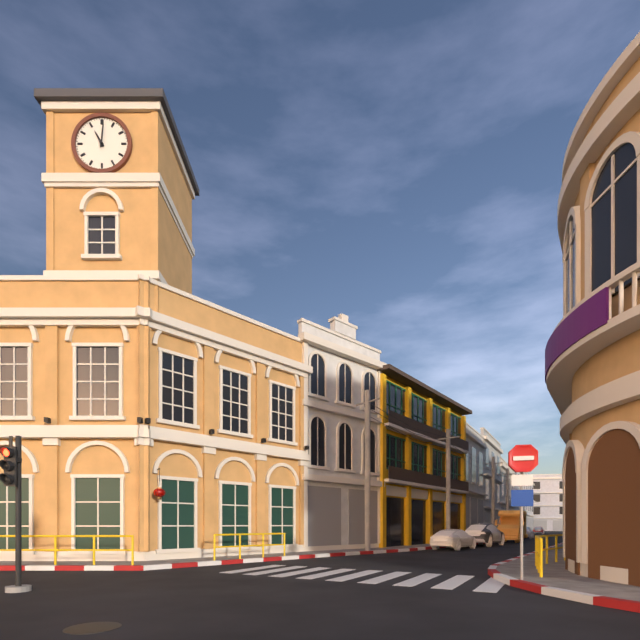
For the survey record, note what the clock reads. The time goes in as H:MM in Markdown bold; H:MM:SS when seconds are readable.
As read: **11:01**
